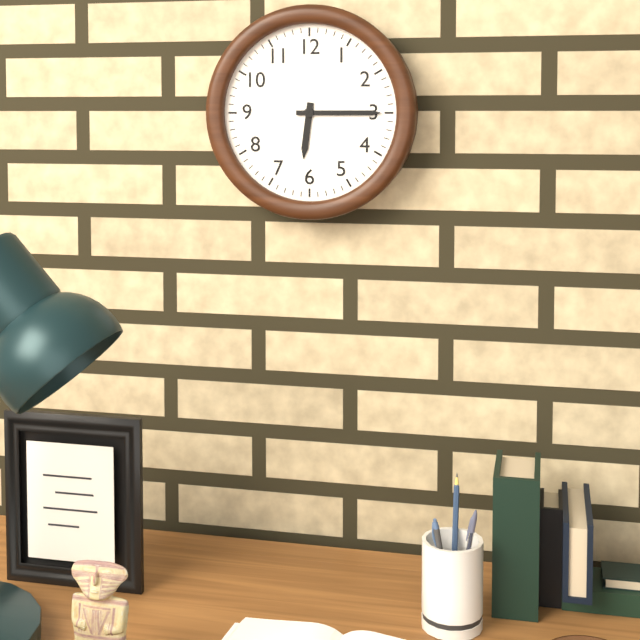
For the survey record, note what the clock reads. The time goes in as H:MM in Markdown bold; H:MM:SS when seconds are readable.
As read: **6:15**
